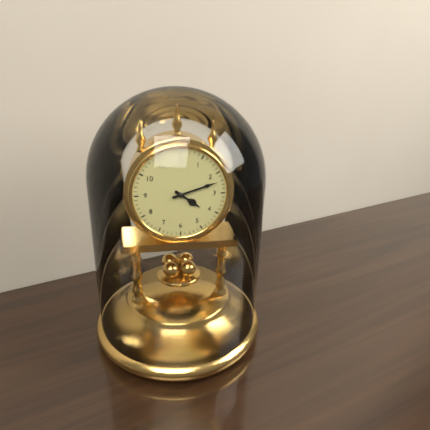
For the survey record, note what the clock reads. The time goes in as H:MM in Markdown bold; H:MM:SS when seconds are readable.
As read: **4:12**
